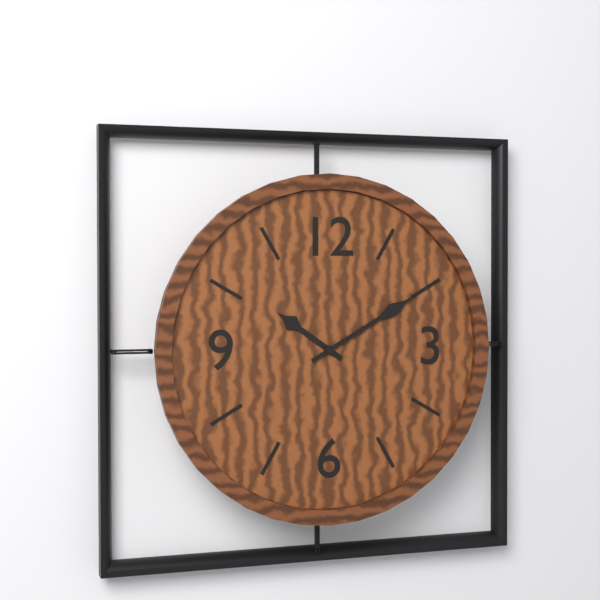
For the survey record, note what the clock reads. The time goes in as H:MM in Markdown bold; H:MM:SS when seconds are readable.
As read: **10:10**
